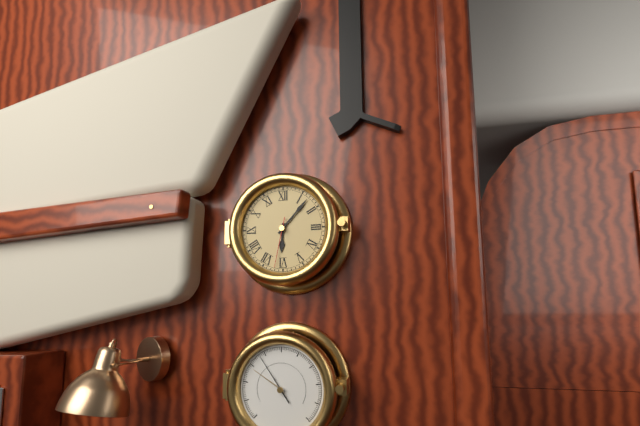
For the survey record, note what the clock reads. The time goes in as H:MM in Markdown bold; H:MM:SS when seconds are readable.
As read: **6:07**
